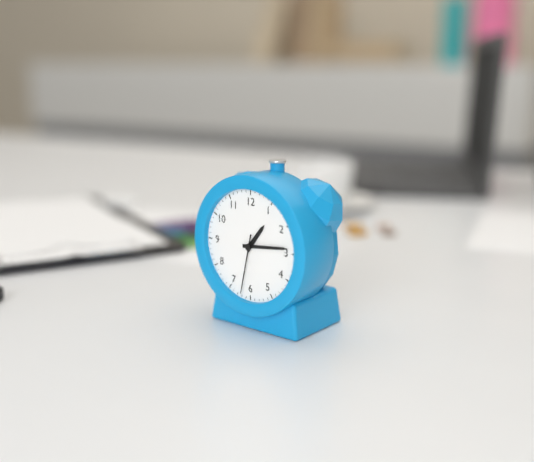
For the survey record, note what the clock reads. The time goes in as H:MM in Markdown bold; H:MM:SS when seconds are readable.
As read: **1:14:32**
